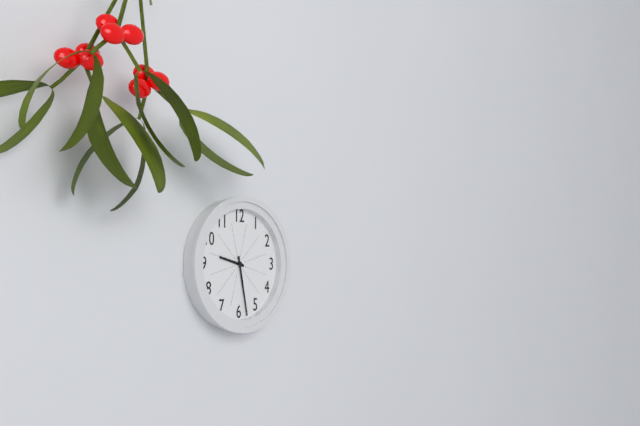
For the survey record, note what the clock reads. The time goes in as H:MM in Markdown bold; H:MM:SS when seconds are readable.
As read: **9:28**
